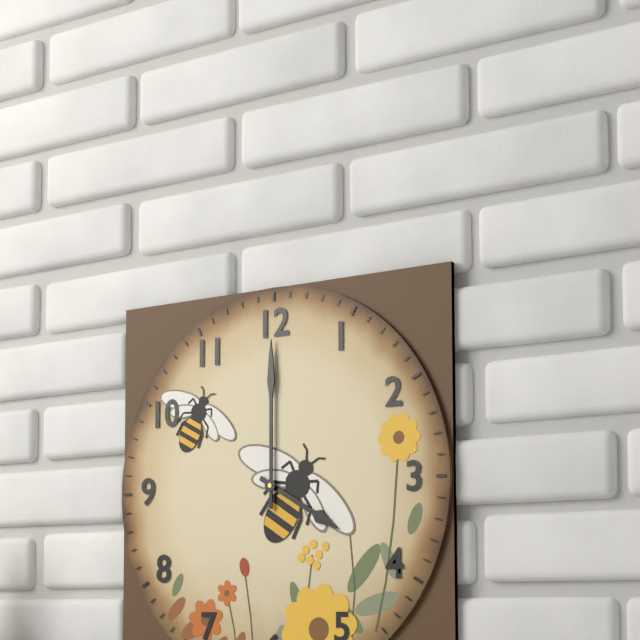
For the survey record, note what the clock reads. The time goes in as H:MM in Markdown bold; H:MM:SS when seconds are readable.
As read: **4:00**
